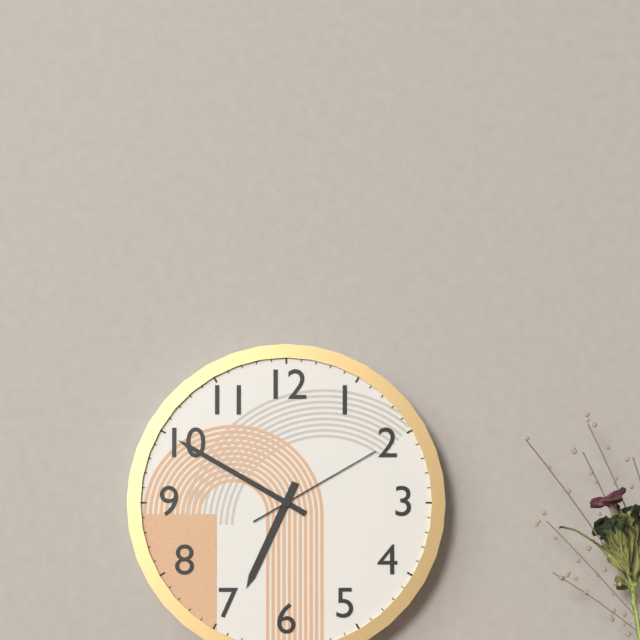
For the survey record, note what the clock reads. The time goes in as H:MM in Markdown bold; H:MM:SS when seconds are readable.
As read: **6:50:10**
